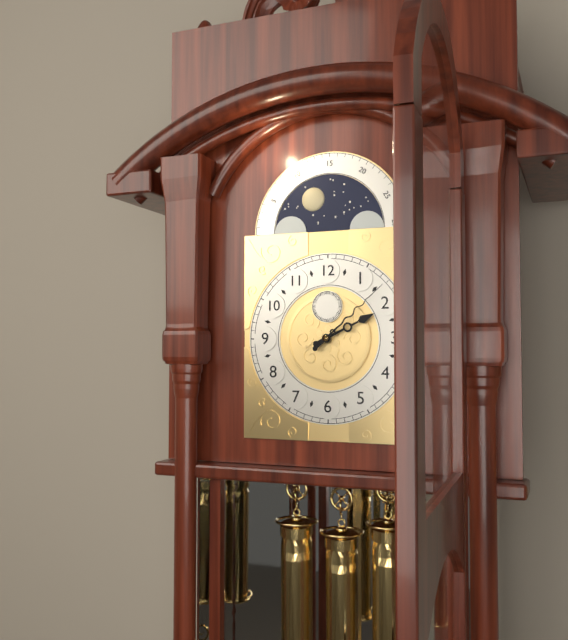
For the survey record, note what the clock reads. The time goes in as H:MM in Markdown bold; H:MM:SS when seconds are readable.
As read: **2:08**
